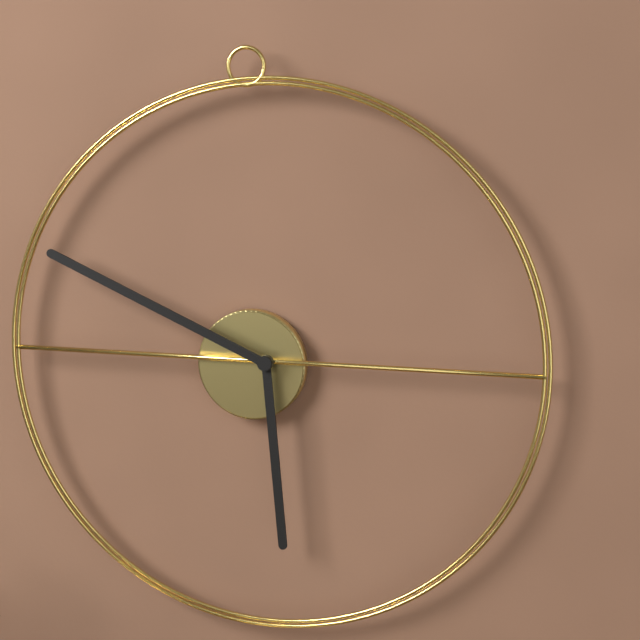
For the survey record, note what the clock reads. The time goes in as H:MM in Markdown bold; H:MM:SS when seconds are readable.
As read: **5:49**
